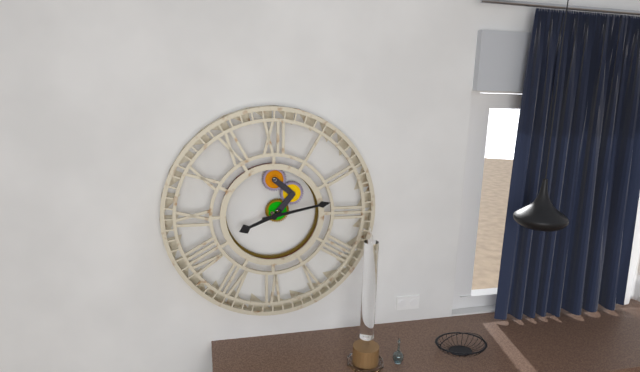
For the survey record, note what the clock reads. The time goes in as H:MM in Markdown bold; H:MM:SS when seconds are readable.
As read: **8:13**
